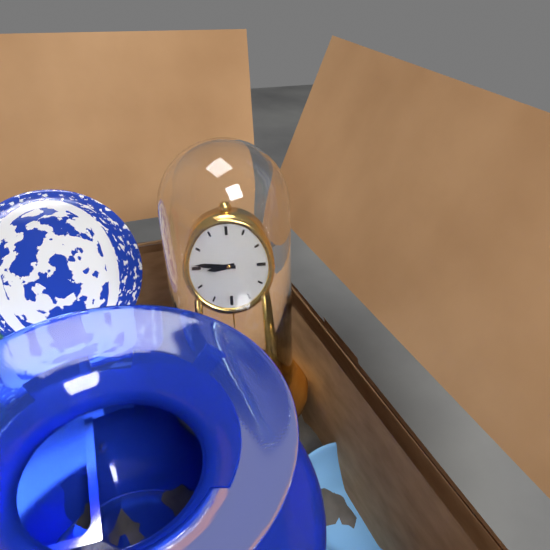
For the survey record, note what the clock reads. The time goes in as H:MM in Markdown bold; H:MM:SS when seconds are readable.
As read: **8:46**
